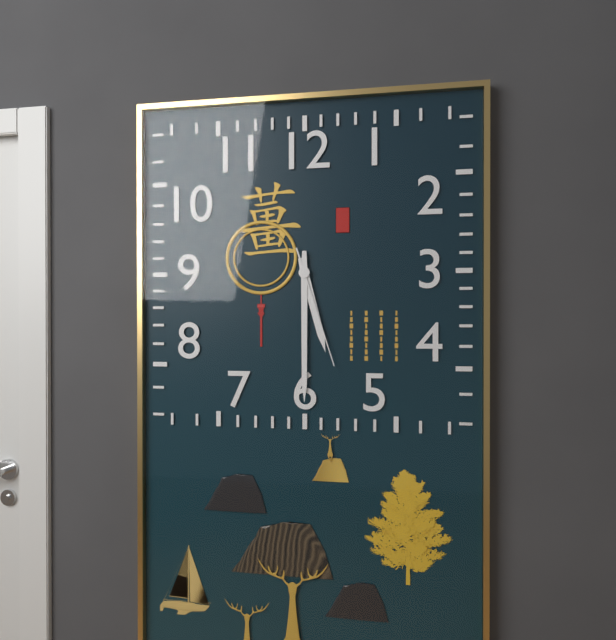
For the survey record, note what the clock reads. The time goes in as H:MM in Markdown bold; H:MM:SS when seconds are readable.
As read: **5:30:27**
